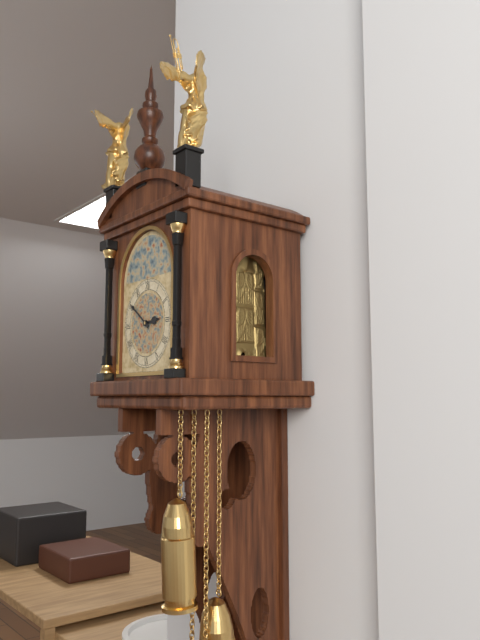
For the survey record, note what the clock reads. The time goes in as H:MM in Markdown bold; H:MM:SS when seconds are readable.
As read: **2:51**
